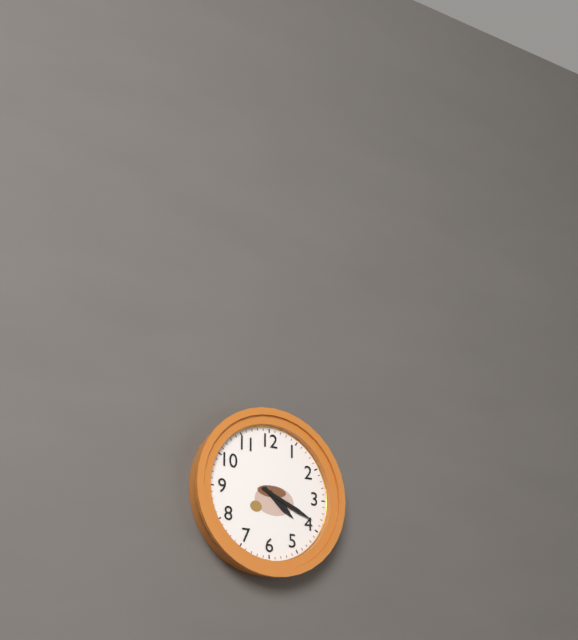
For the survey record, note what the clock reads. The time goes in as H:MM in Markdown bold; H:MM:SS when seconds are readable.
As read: **4:19**
